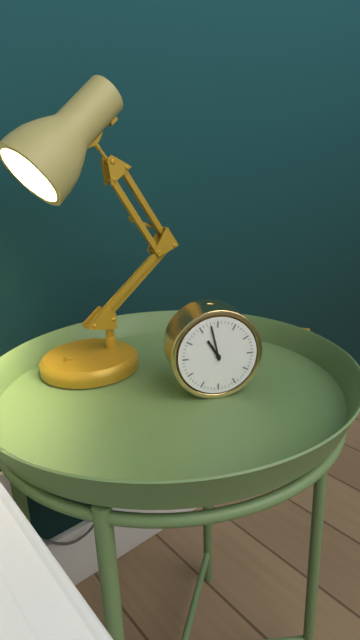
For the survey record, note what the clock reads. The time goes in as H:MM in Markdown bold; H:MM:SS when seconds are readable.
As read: **10:58**
